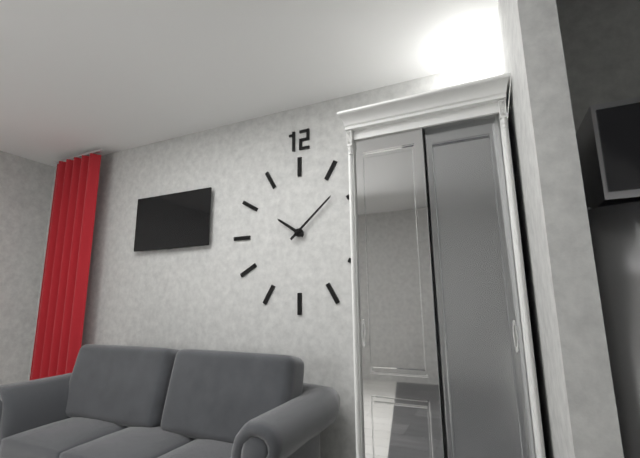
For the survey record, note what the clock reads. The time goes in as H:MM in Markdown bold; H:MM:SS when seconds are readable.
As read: **10:08**
